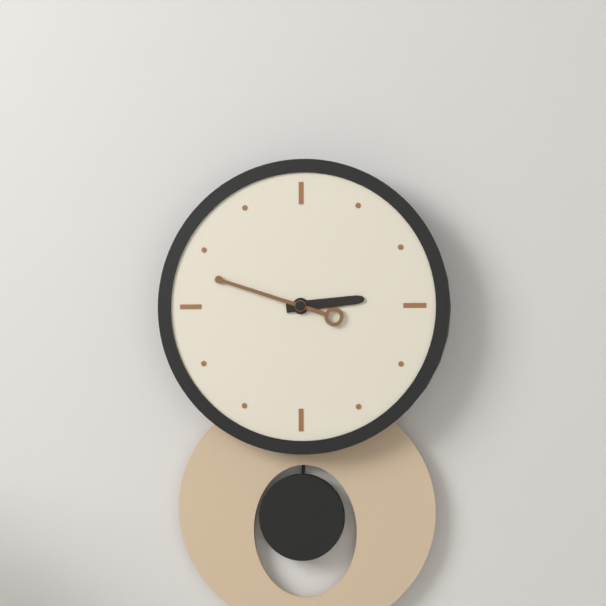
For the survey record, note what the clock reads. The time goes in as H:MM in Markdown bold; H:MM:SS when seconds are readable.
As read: **2:48**
